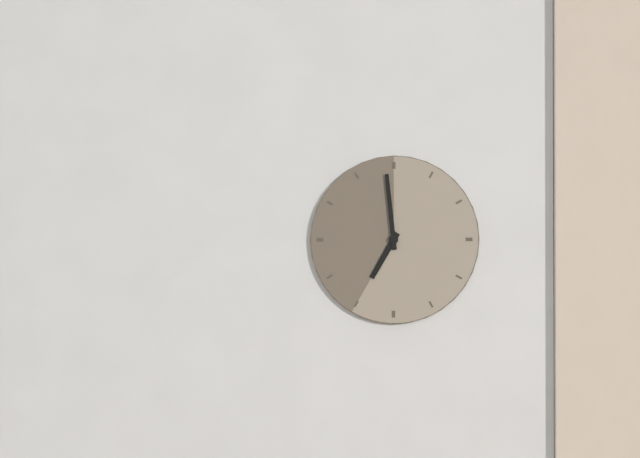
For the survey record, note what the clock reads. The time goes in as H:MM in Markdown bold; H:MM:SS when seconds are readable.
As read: **6:59**
